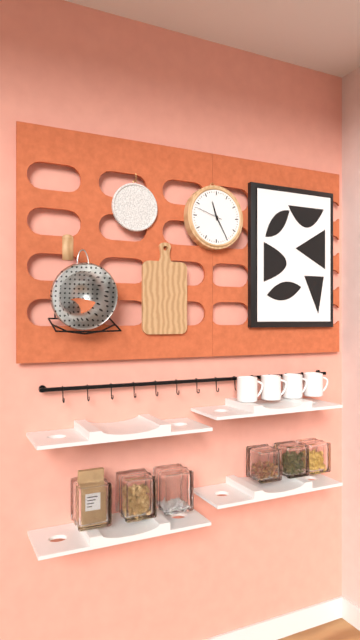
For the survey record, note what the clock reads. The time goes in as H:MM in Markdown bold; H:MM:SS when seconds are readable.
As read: **11:25**
